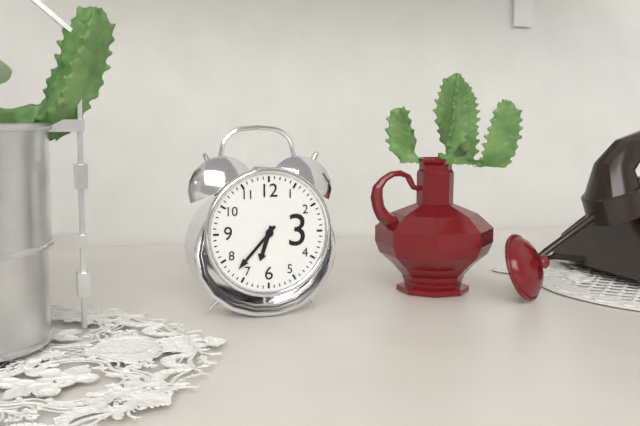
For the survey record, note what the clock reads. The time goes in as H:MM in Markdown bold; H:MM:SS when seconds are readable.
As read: **6:37**
